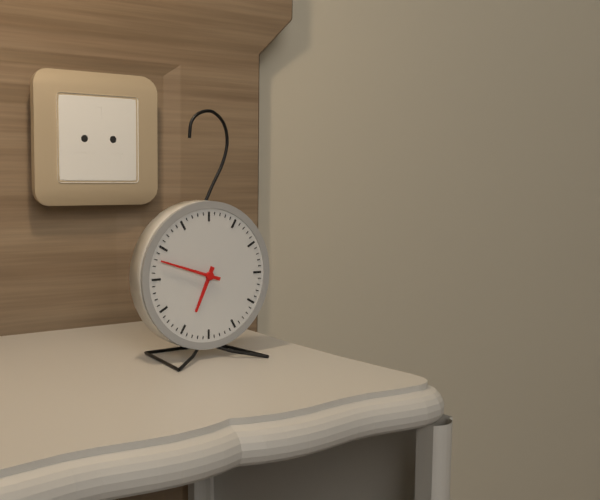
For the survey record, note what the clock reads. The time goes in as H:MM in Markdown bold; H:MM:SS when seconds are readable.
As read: **6:48**
